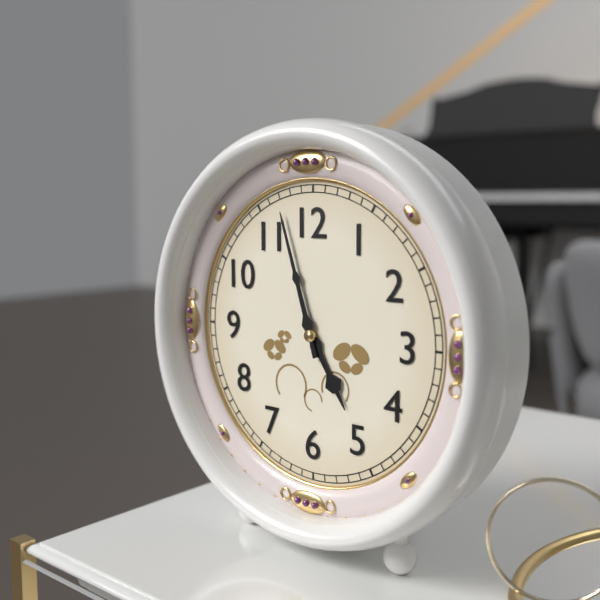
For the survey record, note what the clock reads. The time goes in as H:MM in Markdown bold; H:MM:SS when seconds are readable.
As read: **4:57**
